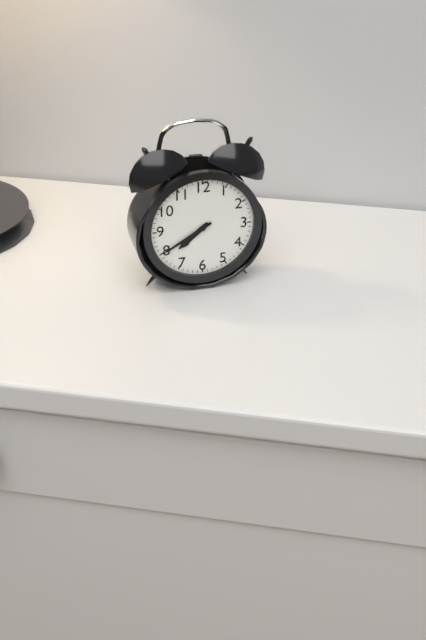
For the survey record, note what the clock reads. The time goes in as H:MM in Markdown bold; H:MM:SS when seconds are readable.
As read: **7:40**
